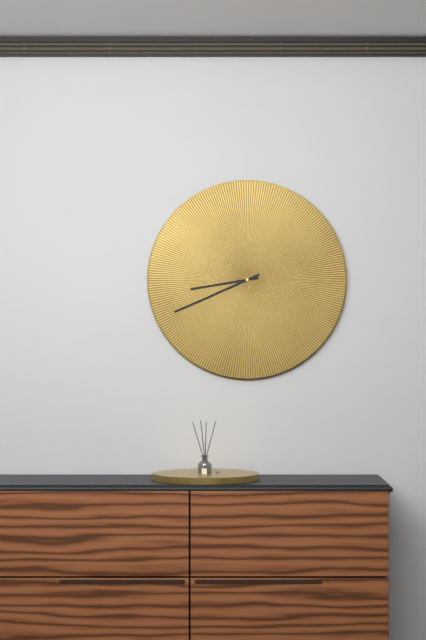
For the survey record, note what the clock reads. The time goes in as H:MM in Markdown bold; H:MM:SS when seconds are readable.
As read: **8:41**
